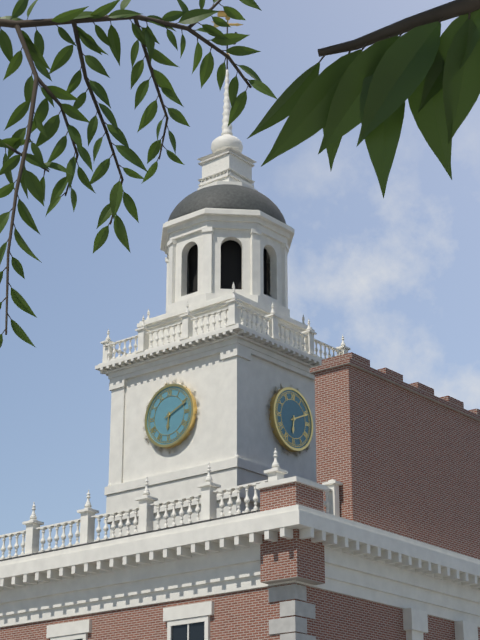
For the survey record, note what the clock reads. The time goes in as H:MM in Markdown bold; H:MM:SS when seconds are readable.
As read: **6:11**
